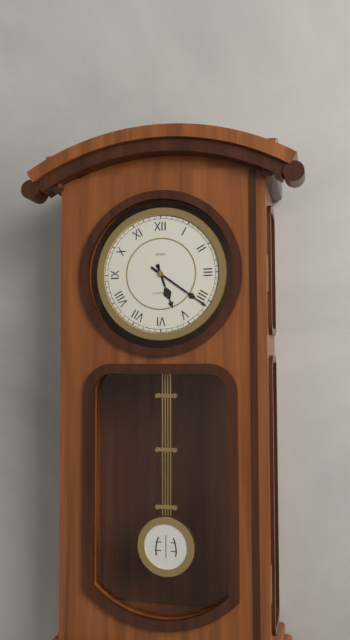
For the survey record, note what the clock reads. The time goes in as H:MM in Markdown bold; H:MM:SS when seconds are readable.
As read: **5:21**
